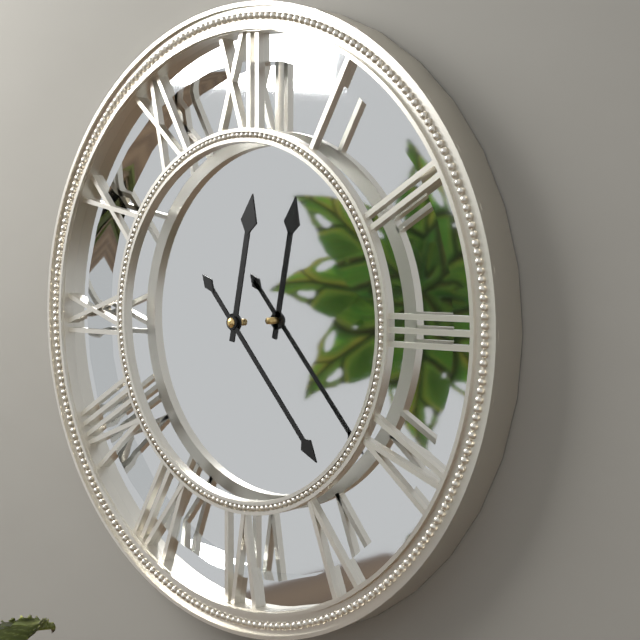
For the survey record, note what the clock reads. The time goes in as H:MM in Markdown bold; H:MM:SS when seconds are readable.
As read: **12:23**
